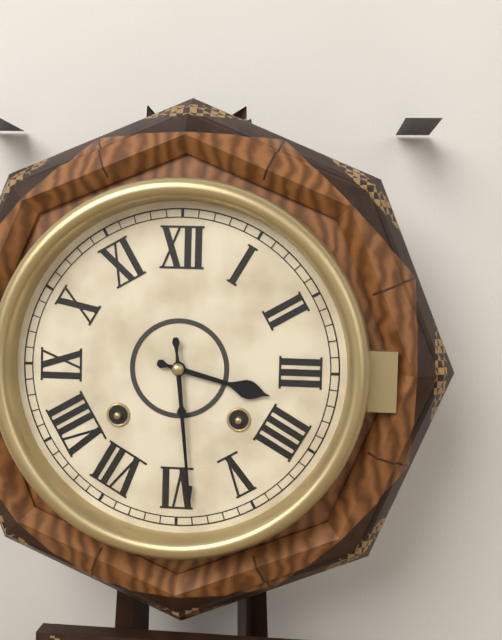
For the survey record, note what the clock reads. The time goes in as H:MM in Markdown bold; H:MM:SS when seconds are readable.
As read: **3:29**
